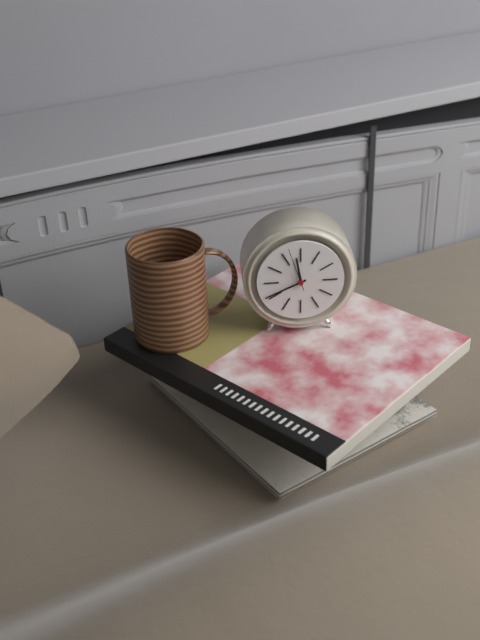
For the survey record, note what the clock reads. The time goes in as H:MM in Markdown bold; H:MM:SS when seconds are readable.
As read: **11:41**
